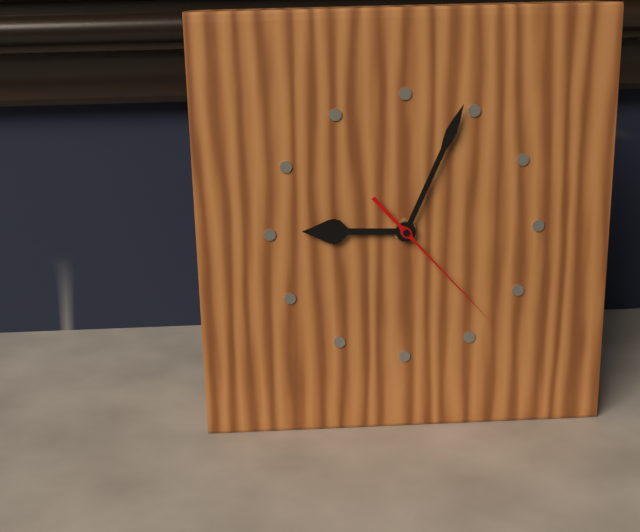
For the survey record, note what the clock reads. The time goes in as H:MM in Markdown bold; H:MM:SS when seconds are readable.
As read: **9:04:23**
